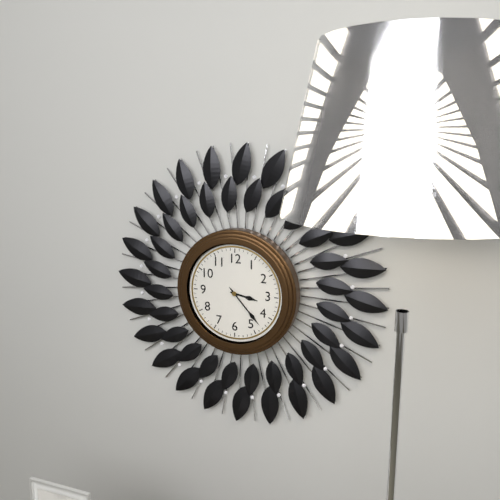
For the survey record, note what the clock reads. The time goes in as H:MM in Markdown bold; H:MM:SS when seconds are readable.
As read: **3:23**
